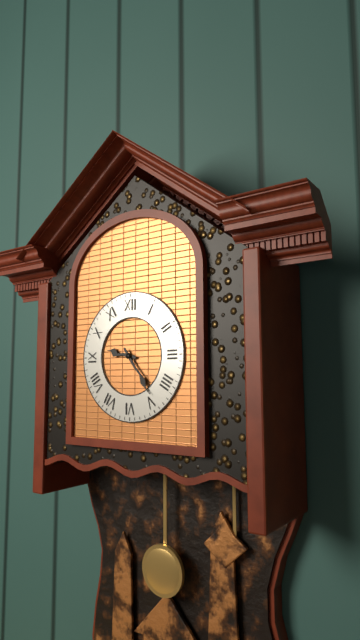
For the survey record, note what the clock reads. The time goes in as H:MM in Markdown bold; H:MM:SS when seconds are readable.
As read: **9:24**
